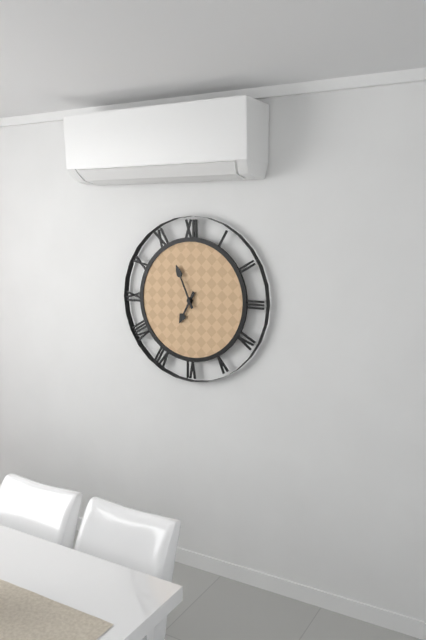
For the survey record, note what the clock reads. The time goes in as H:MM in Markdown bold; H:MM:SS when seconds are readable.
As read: **6:56**
